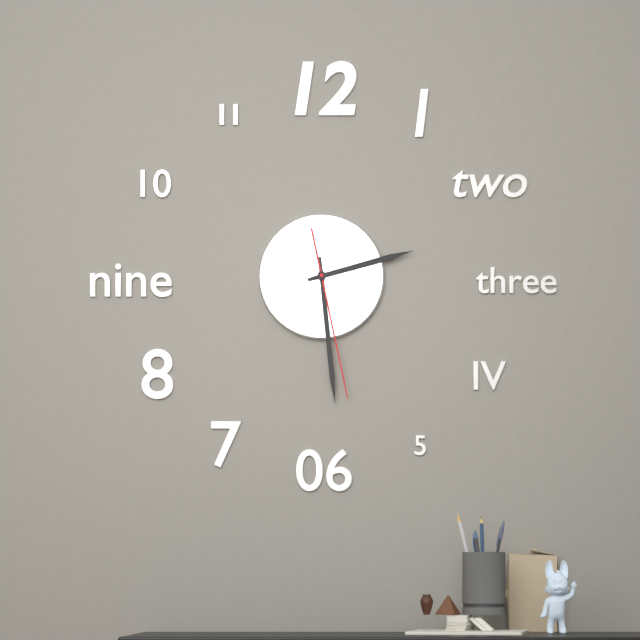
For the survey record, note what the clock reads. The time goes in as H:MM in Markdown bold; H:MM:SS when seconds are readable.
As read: **2:29:28**
